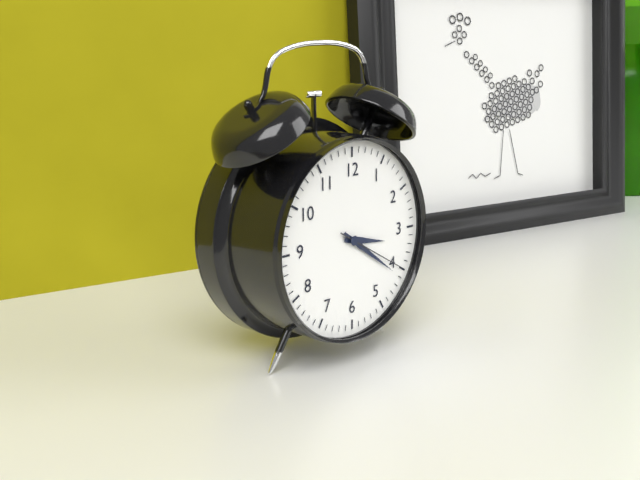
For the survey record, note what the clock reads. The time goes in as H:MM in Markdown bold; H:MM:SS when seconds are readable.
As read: **3:21:20**
